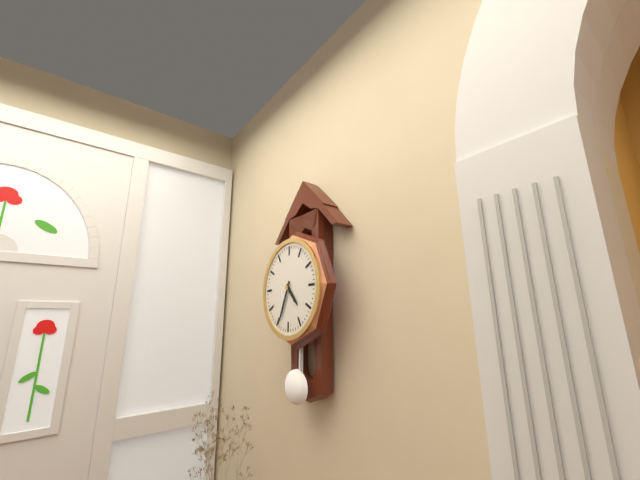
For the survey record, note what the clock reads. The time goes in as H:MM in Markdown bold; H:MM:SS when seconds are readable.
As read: **4:34**
